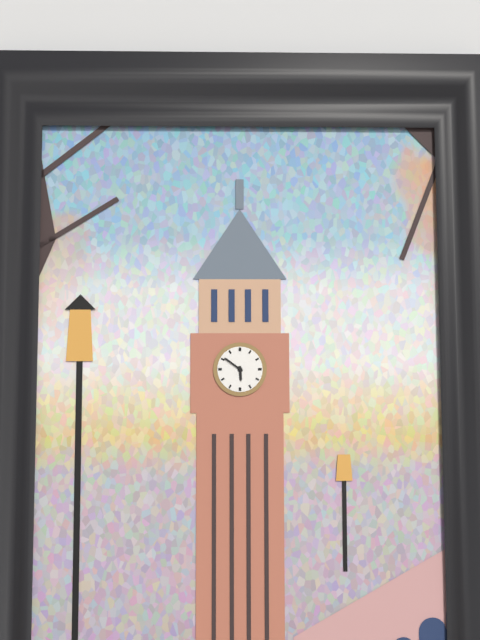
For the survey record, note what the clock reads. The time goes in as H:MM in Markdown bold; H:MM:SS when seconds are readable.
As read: **5:51**
